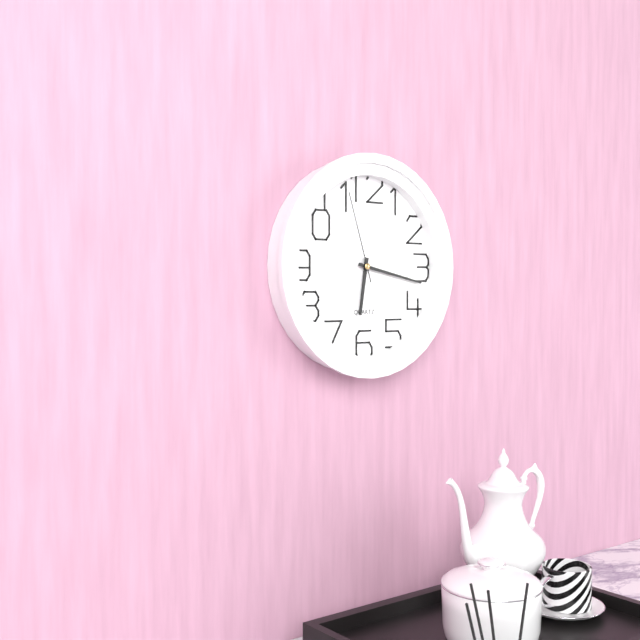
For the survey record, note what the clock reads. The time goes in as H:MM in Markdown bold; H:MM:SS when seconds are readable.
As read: **6:17:57**
